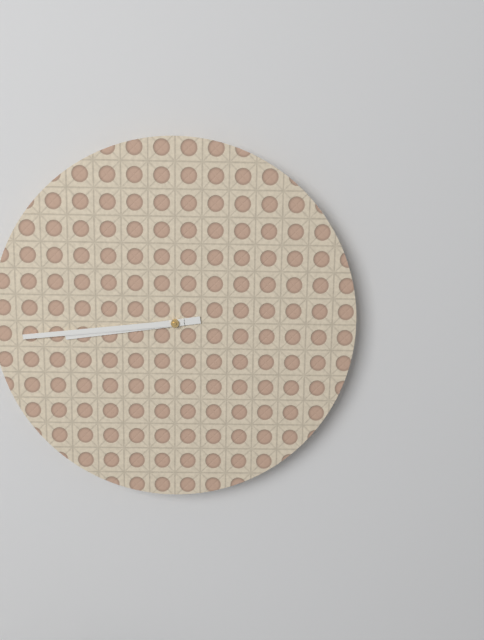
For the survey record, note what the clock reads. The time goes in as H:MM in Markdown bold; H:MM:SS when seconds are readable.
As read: **8:44**
